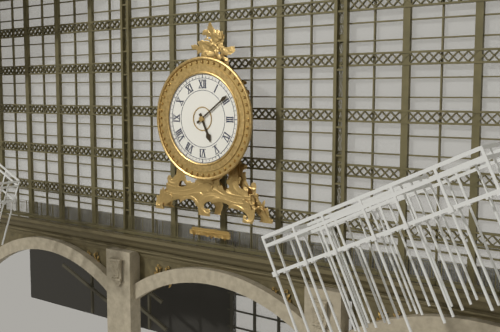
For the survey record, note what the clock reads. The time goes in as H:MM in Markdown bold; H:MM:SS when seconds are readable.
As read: **5:09**
